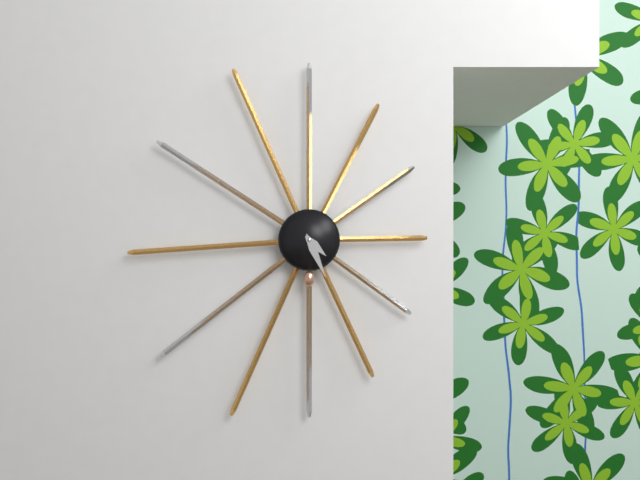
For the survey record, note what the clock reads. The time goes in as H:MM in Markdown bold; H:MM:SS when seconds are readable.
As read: **4:26**
